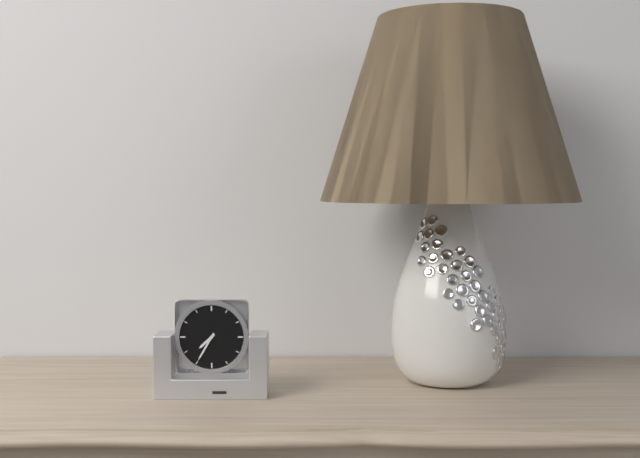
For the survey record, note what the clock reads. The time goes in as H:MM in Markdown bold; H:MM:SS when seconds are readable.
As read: **7:35**
